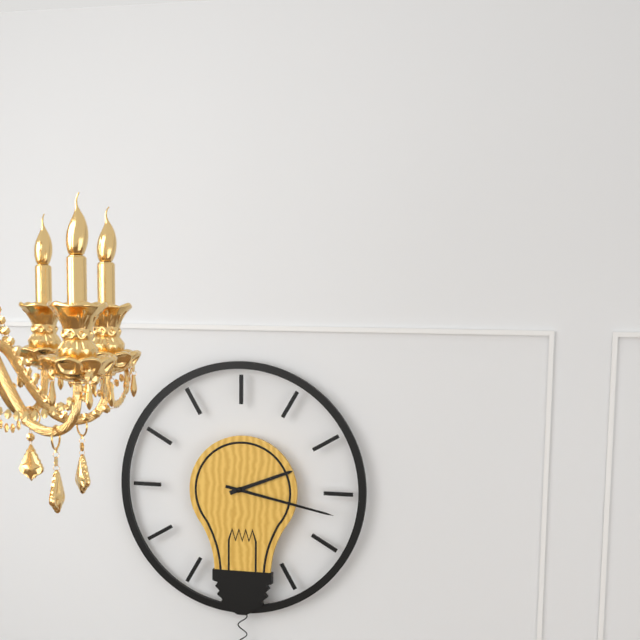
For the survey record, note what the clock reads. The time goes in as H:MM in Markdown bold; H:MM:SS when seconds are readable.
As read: **2:17**
